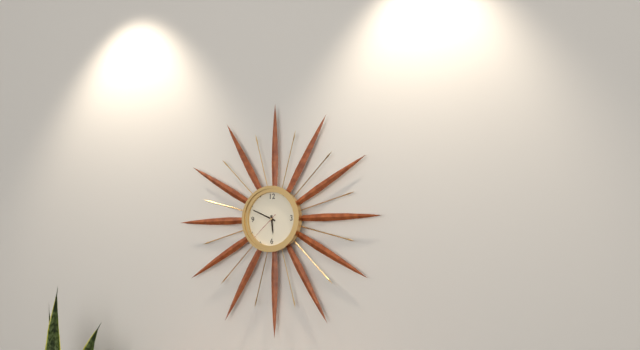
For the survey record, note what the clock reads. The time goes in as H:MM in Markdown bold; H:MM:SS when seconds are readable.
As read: **5:49**
